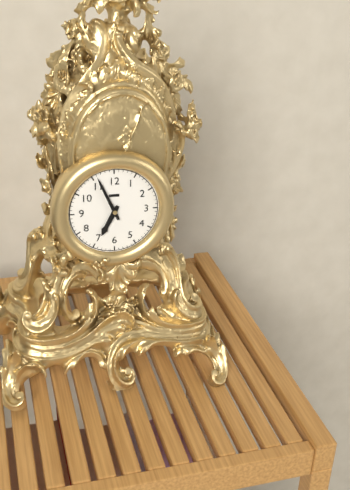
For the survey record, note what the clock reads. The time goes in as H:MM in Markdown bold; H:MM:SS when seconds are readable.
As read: **6:56**
